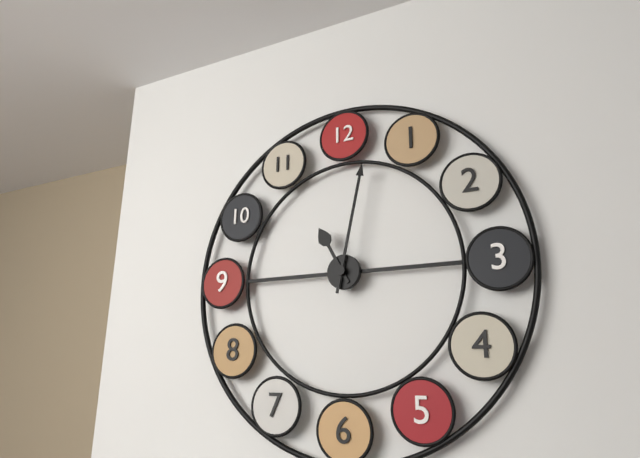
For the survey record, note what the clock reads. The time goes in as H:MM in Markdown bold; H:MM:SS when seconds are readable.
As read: **11:02**
